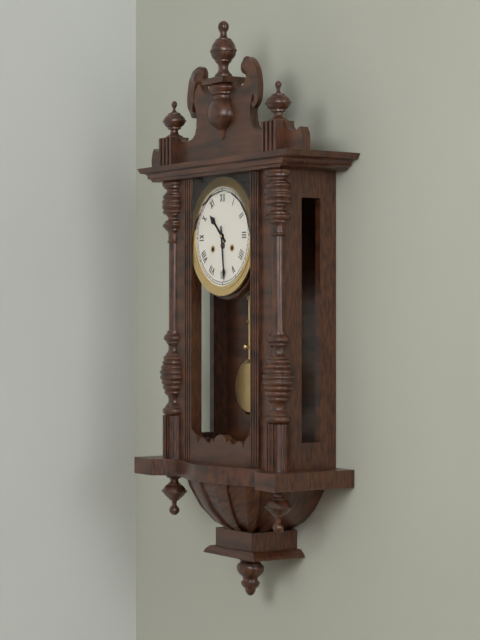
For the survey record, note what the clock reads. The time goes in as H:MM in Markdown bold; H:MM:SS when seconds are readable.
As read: **10:29**
